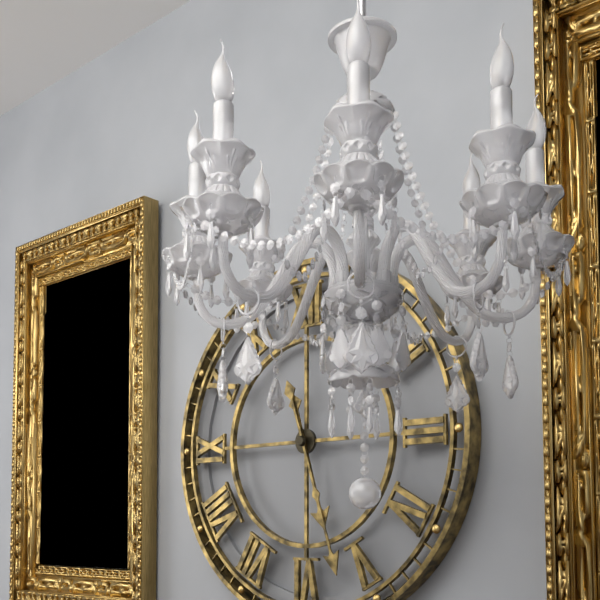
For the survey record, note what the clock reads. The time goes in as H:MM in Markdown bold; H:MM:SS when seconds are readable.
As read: **5:27**
